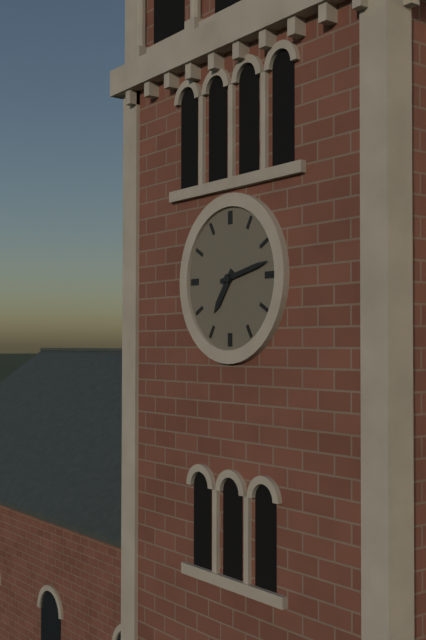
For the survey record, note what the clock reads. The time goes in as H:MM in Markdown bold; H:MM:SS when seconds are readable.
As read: **7:13**
